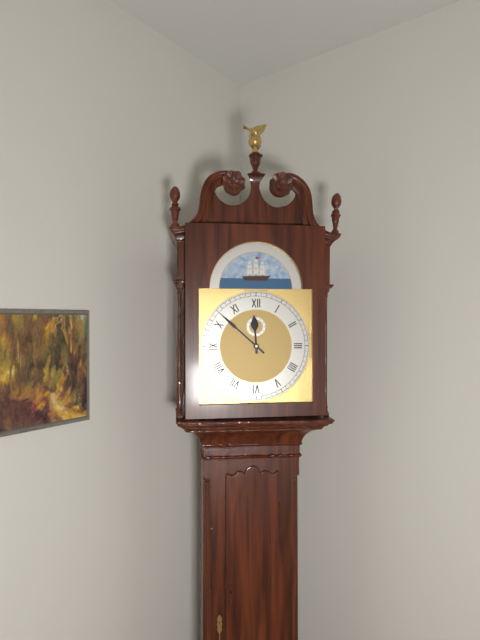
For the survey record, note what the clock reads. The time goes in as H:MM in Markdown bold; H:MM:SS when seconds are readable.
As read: **11:52**
